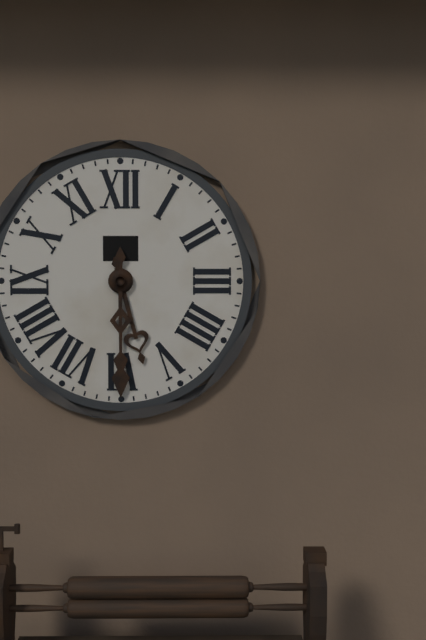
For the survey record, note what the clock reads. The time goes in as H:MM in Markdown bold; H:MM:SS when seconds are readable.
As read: **5:30**
